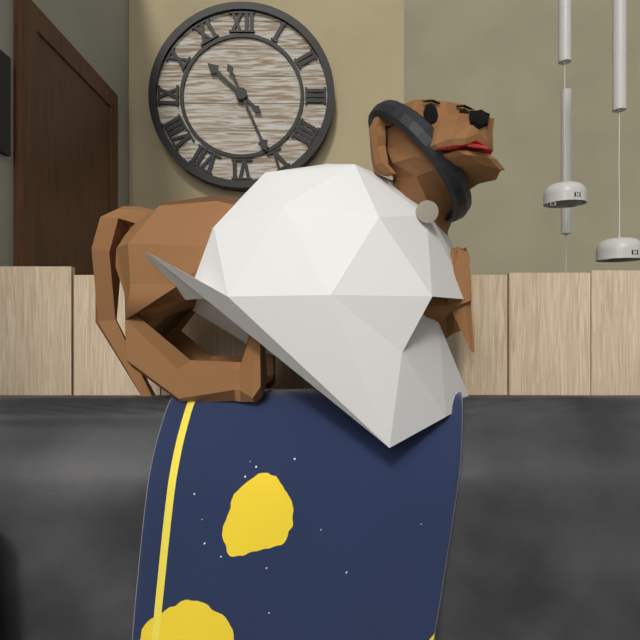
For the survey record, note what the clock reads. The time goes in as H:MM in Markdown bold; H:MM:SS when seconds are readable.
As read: **10:26**
